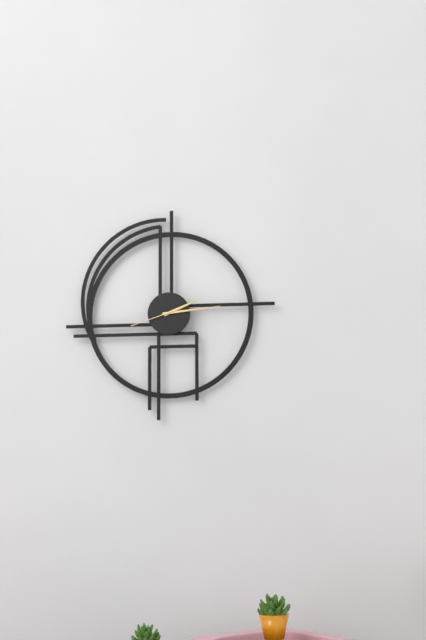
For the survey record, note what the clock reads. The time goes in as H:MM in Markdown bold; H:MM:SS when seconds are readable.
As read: **2:14:42**
